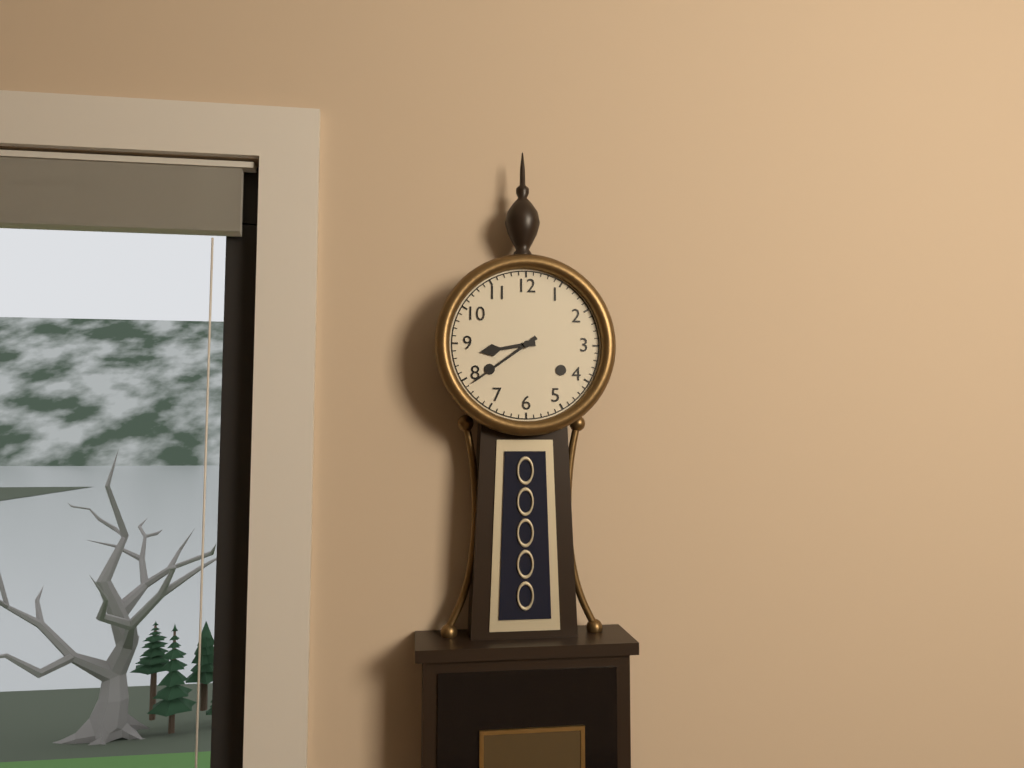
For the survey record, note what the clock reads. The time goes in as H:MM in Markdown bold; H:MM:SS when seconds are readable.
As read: **8:39**
